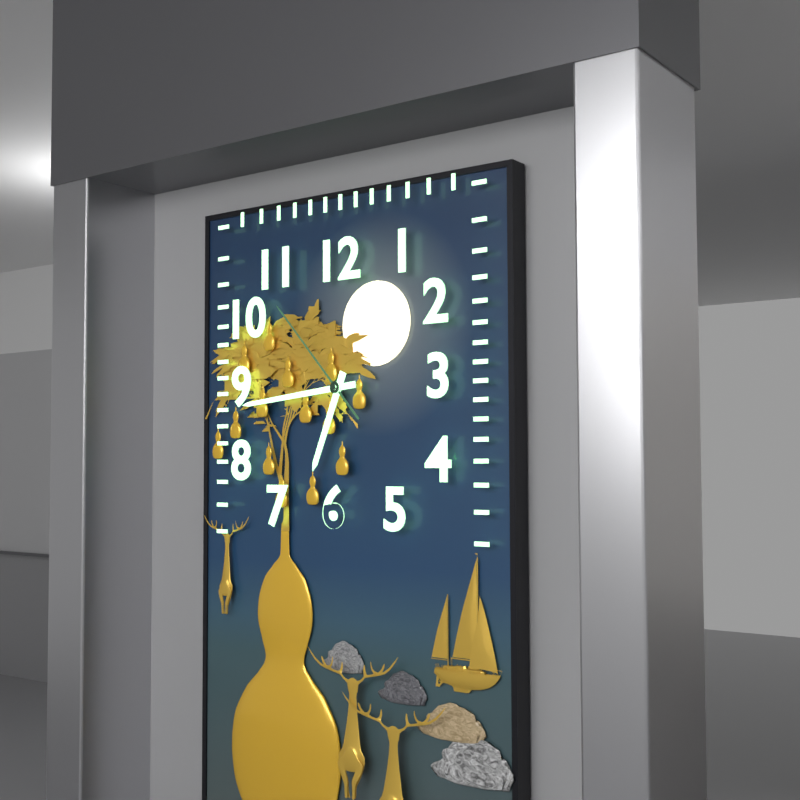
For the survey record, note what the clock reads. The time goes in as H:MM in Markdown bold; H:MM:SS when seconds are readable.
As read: **6:44:53**
